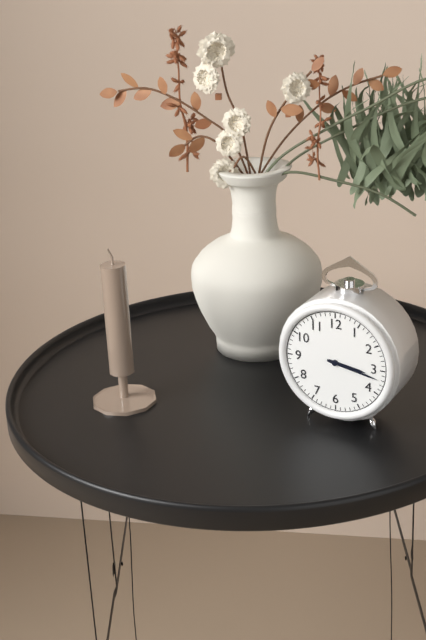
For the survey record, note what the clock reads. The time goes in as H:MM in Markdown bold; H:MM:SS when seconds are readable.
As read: **3:17**
